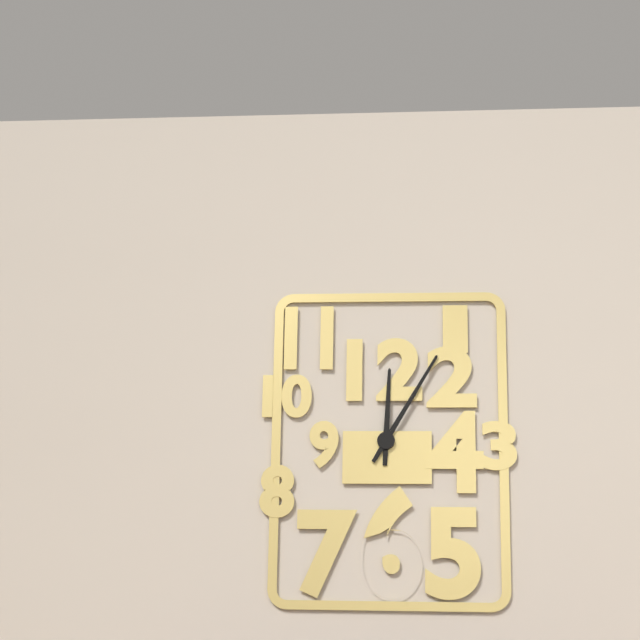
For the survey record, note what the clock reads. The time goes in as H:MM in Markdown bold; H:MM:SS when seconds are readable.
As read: **12:05**
